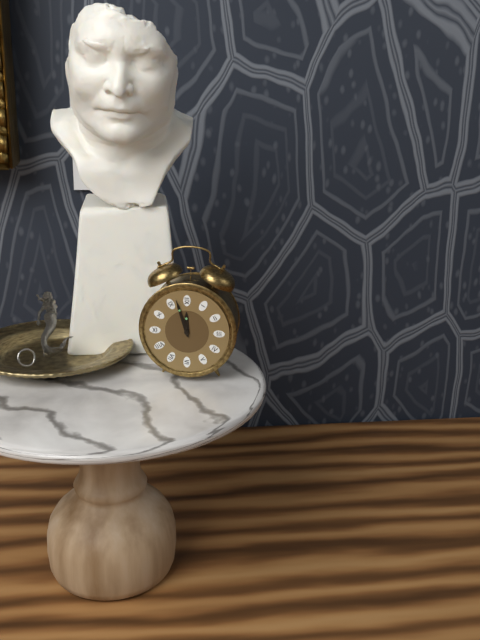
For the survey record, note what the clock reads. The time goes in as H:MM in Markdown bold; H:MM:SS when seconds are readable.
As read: **11:57**
